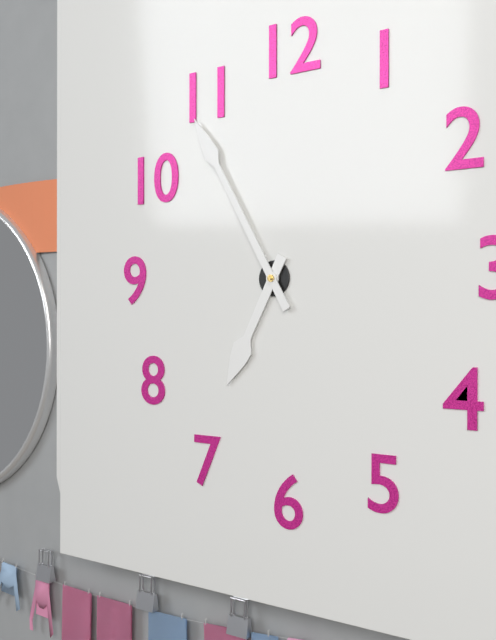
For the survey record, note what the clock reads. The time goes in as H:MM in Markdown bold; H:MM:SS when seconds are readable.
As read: **6:55**
